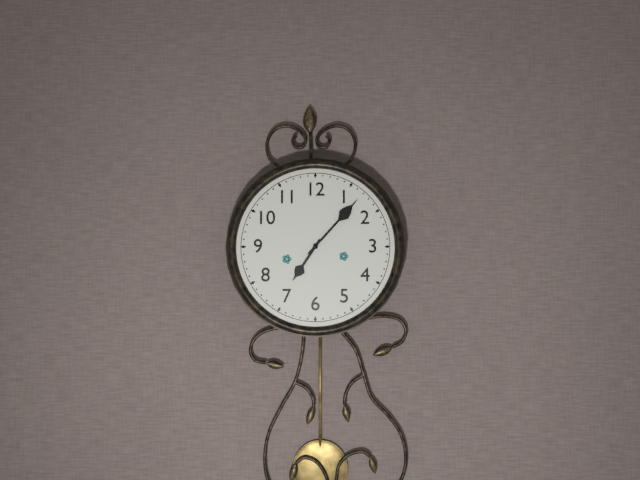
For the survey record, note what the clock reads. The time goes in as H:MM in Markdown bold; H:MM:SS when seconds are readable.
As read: **7:07**
